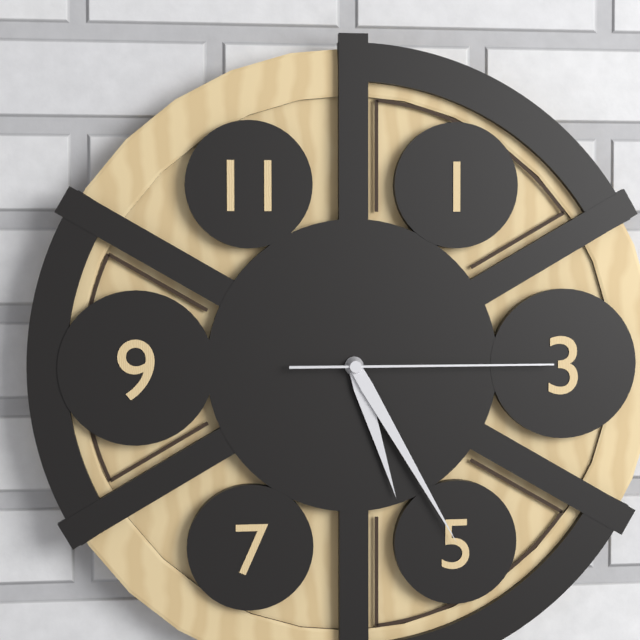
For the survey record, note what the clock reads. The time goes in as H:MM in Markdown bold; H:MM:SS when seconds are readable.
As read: **5:25:15**
